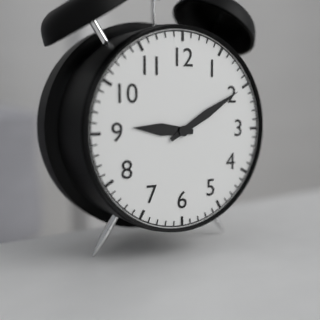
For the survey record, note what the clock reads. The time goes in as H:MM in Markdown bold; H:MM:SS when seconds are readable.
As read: **9:10**
